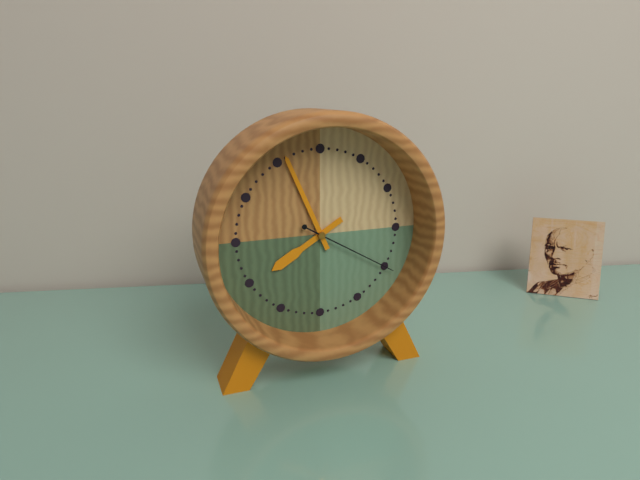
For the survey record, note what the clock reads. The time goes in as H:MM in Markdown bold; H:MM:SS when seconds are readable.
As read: **7:56:20**
